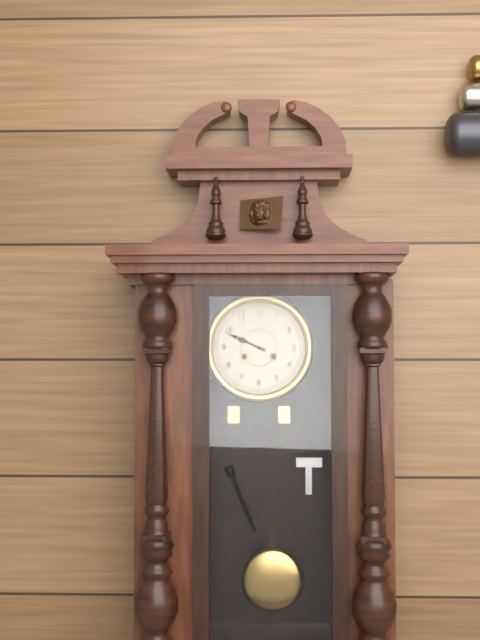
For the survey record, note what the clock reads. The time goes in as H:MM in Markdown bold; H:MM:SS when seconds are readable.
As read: **9:49**
